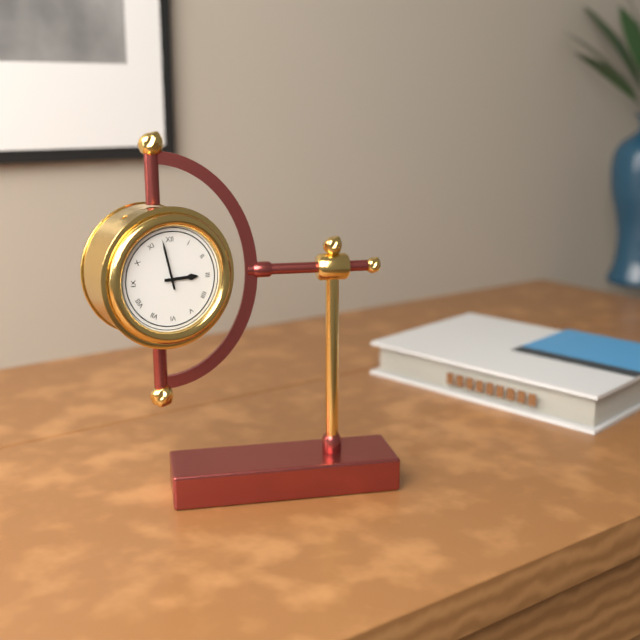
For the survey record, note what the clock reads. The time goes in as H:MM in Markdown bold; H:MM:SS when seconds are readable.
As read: **2:58**
